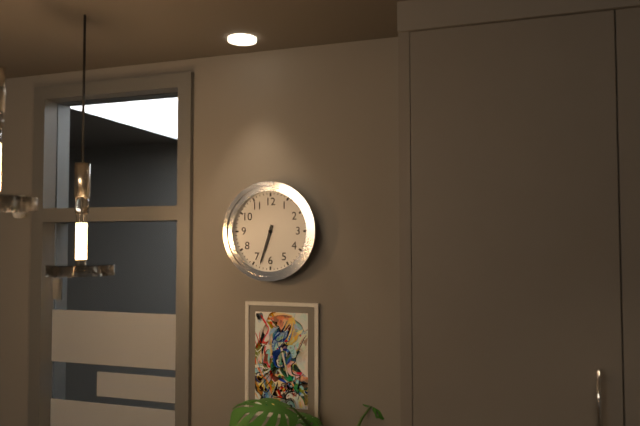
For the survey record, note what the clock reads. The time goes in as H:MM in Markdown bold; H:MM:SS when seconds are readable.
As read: **6:33**
